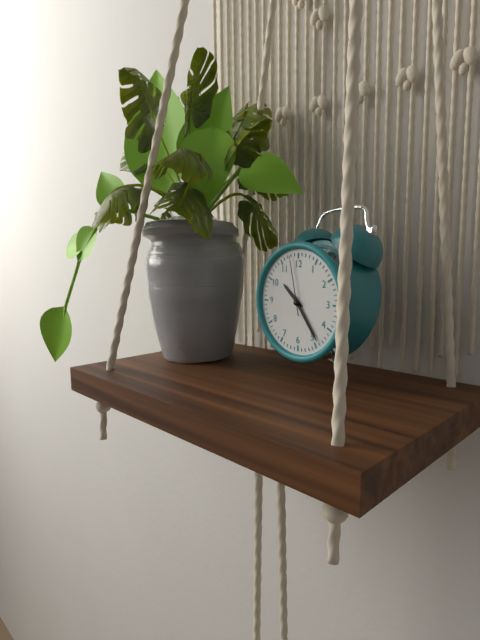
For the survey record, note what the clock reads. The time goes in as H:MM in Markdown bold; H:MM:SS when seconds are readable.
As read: **10:24:58**
